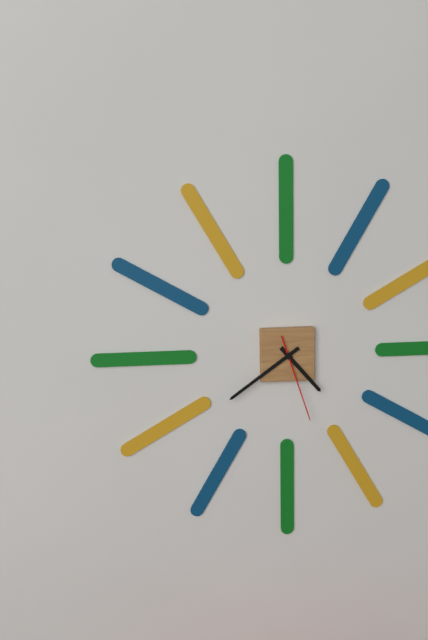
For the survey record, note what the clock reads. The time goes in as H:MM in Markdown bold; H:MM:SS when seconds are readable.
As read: **4:39:27**
